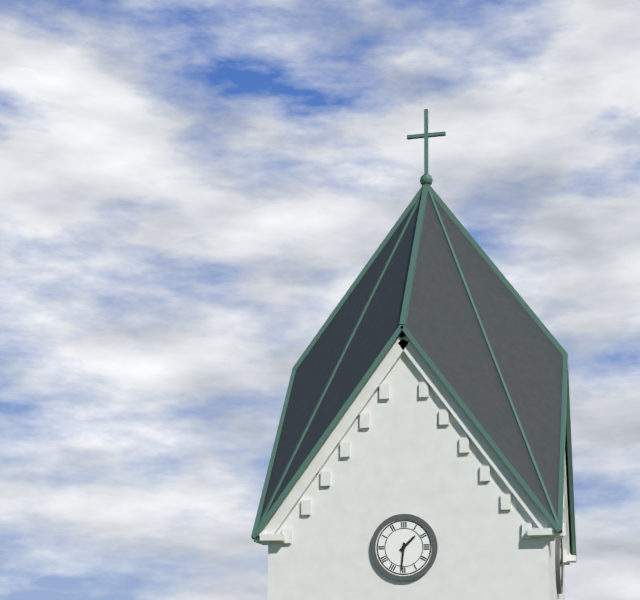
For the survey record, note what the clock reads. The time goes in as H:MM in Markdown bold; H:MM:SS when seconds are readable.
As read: **1:31**
